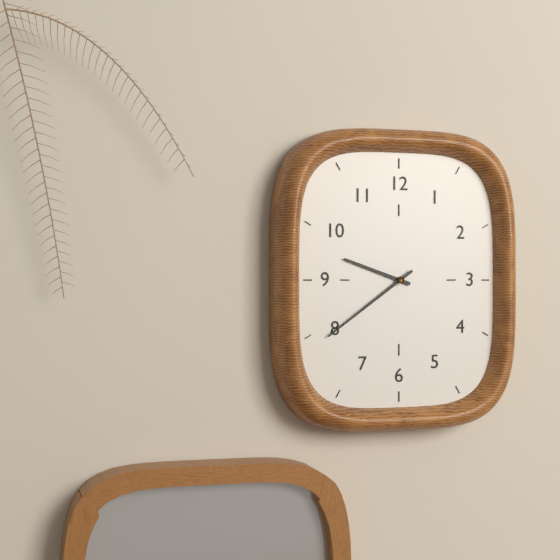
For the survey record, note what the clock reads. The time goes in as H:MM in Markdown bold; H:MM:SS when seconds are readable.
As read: **9:39**
